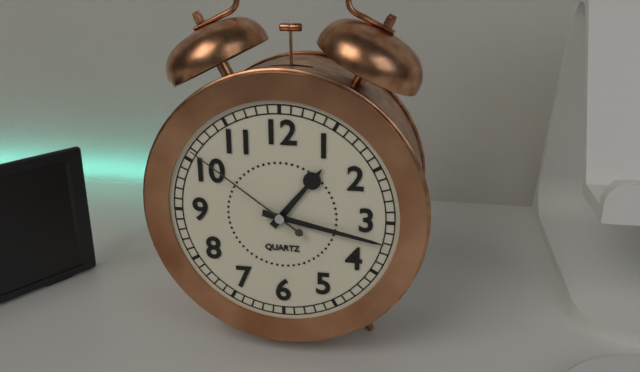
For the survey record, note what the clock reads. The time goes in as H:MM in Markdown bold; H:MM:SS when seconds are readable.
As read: **1:17:51**
